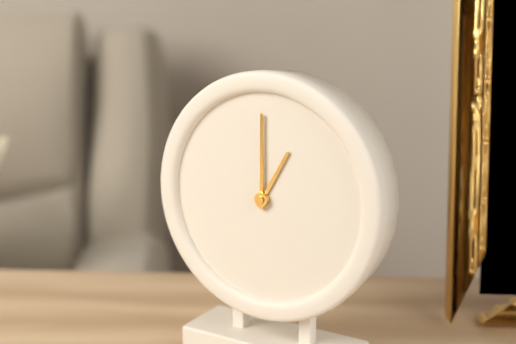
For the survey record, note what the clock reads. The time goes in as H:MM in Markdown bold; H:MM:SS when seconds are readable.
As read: **1:00**
